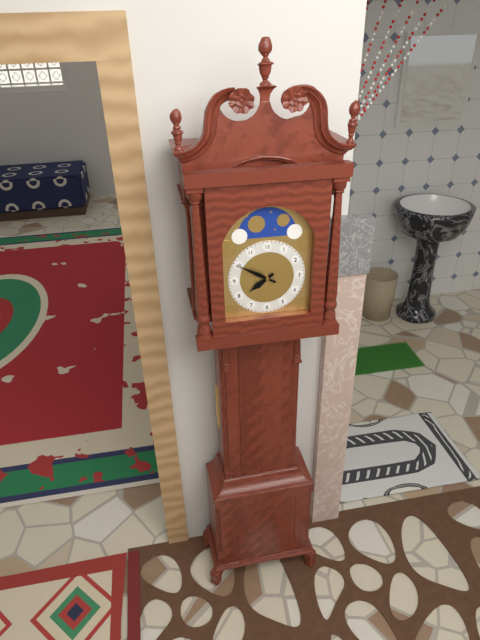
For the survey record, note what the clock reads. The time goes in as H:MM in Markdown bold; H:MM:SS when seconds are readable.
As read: **7:50**
